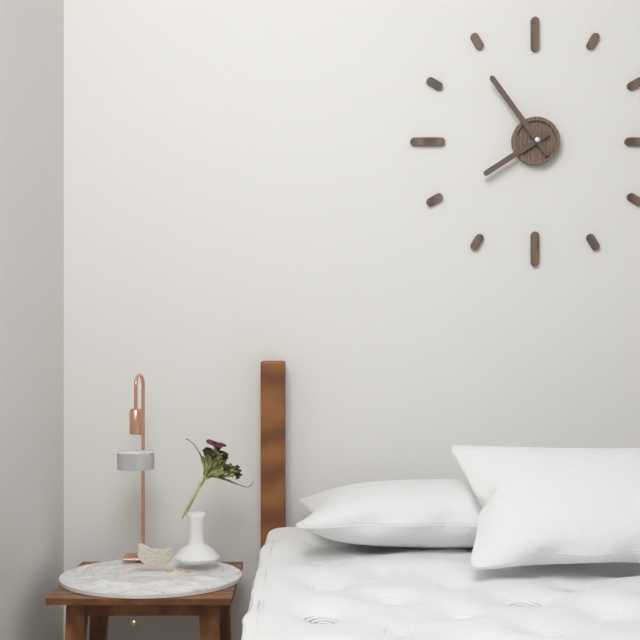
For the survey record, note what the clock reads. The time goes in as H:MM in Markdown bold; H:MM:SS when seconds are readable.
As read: **7:54**
